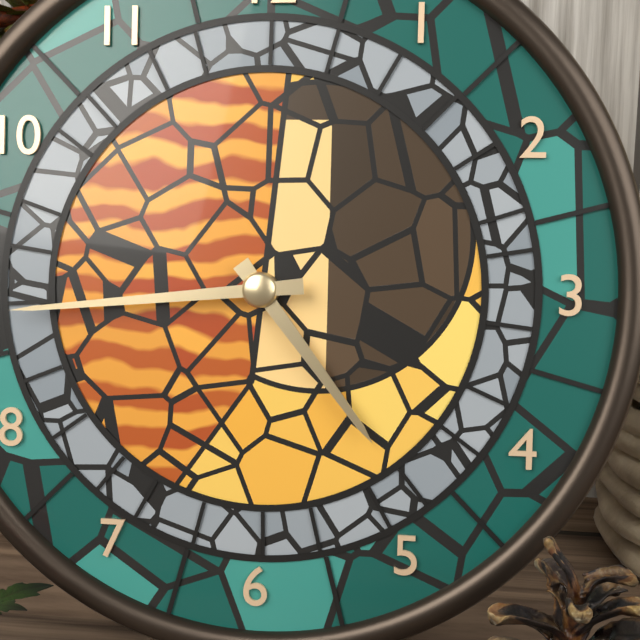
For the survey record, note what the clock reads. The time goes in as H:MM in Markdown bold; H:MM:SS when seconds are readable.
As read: **4:44**
